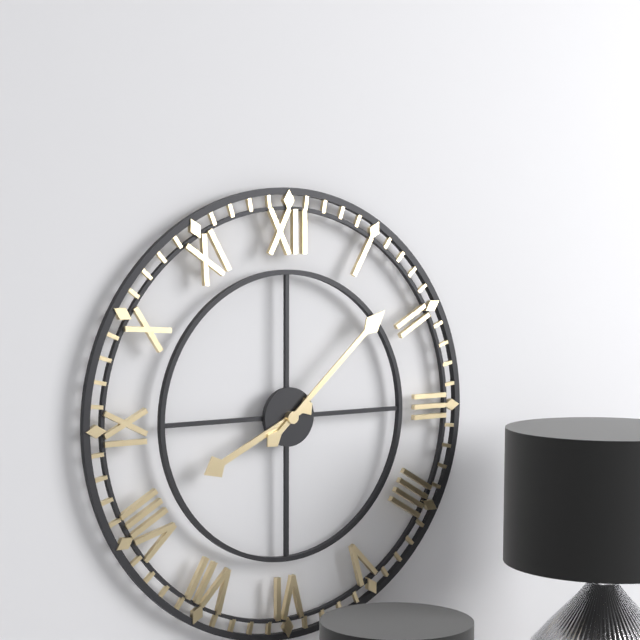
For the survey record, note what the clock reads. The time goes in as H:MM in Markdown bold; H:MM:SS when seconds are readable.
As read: **8:08**
